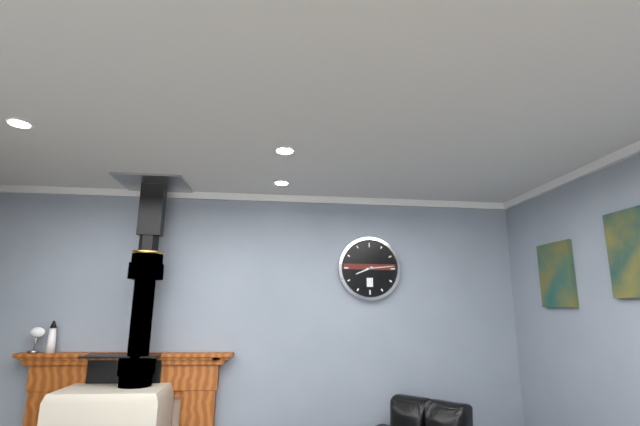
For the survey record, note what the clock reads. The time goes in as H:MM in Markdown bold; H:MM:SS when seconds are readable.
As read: **8:14**
